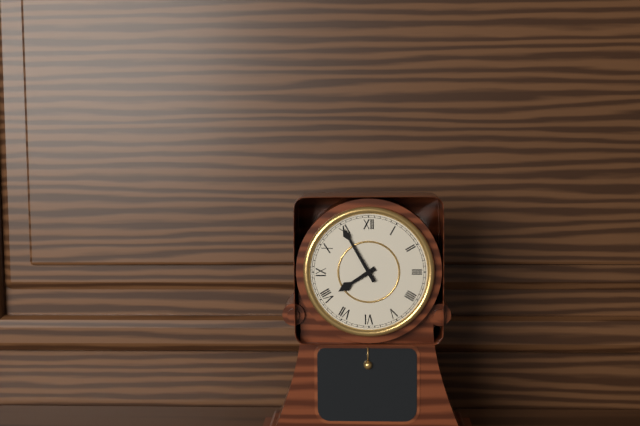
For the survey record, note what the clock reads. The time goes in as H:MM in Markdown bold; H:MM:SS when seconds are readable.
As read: **7:55**
